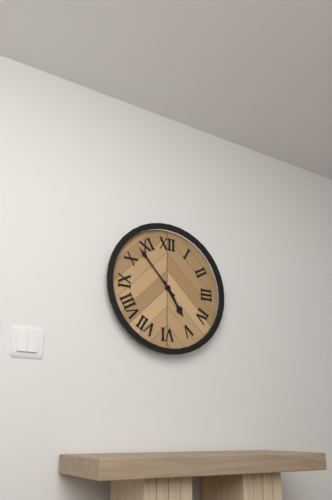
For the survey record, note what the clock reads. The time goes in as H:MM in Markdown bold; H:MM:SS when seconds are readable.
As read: **4:53**
